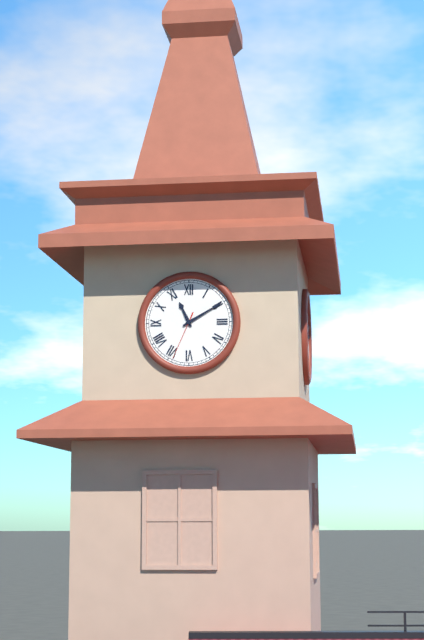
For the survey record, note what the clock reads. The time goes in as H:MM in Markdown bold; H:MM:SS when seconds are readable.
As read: **11:10**
